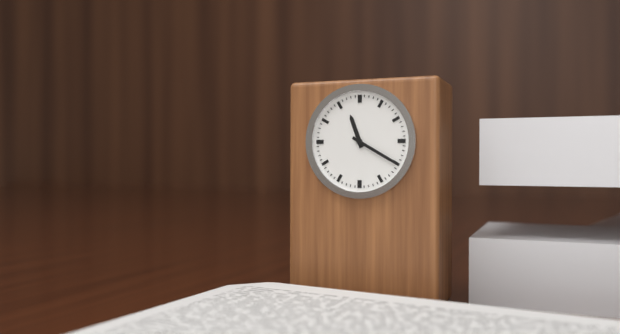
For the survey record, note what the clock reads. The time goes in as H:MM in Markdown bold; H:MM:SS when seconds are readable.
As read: **11:20**
